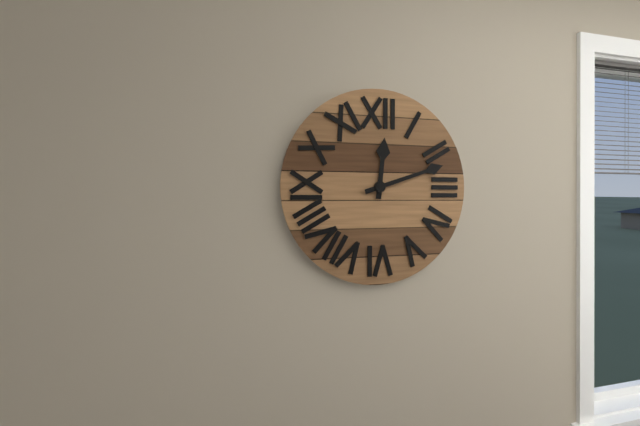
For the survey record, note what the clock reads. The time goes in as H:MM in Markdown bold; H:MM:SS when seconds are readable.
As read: **12:12**
